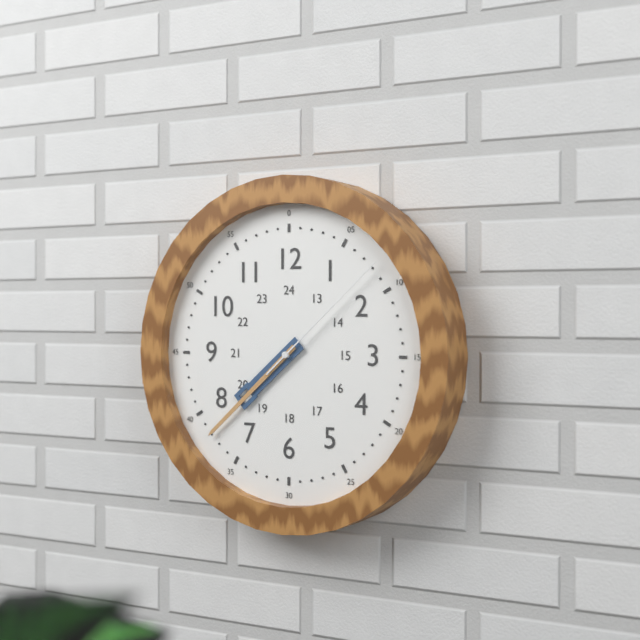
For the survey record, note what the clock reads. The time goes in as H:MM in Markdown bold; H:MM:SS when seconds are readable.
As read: **7:38:08**
